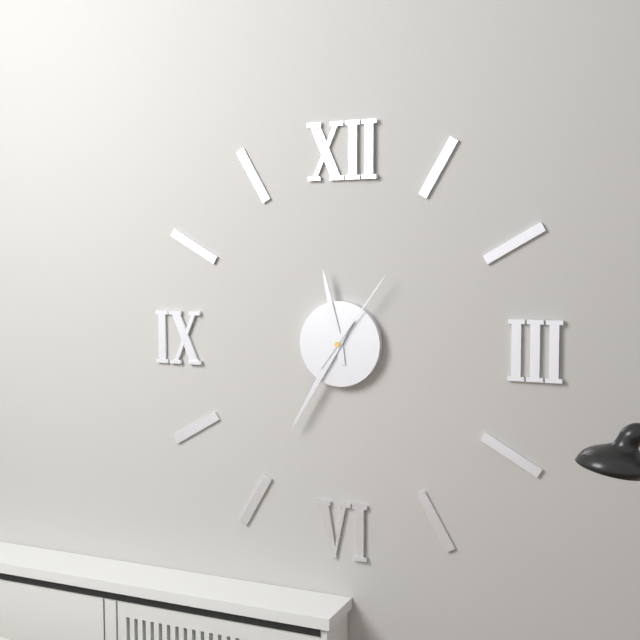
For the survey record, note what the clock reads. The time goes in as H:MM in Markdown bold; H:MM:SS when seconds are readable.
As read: **11:35:06**
